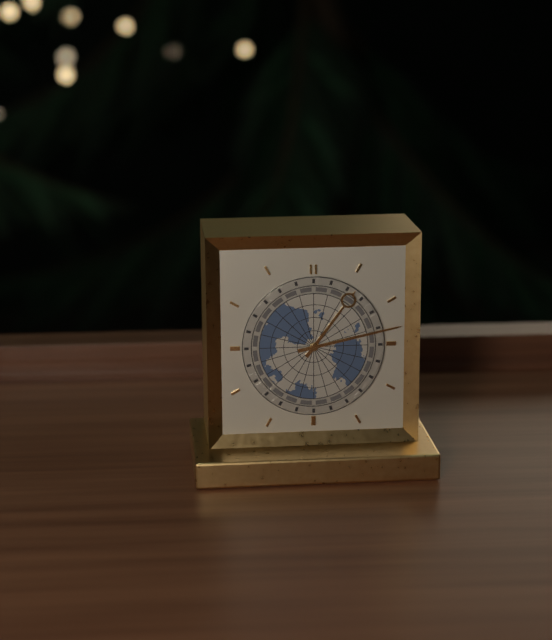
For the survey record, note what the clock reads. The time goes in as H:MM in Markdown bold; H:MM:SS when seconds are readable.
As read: **1:13**
